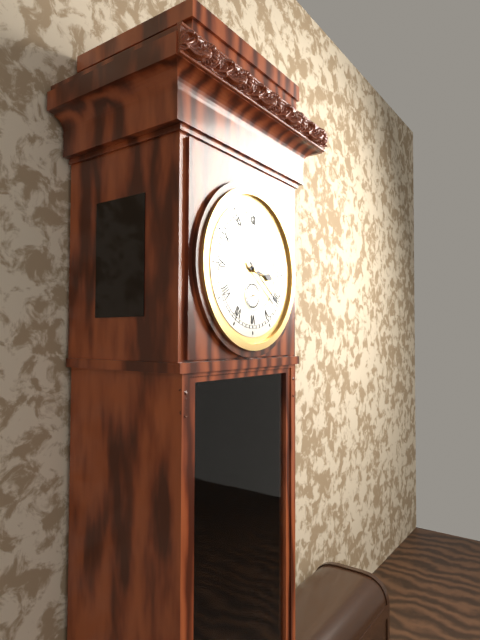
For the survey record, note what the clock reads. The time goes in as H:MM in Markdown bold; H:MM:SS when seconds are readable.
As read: **3:21**
